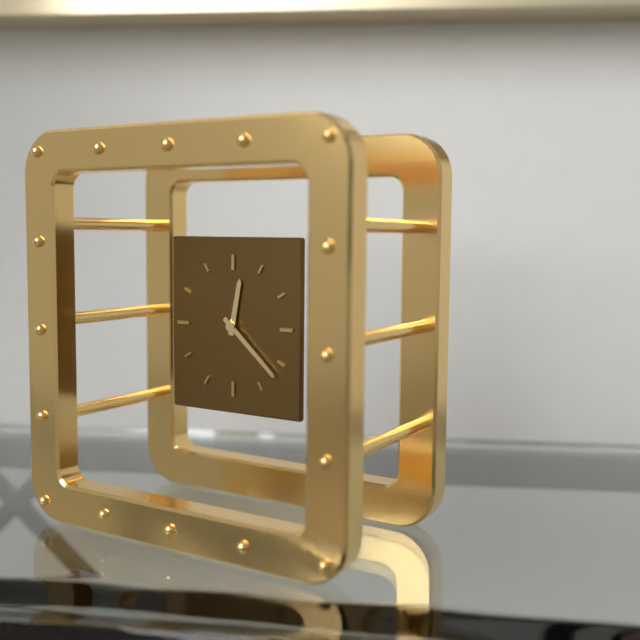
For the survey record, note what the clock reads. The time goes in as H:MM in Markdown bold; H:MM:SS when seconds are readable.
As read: **12:22**
